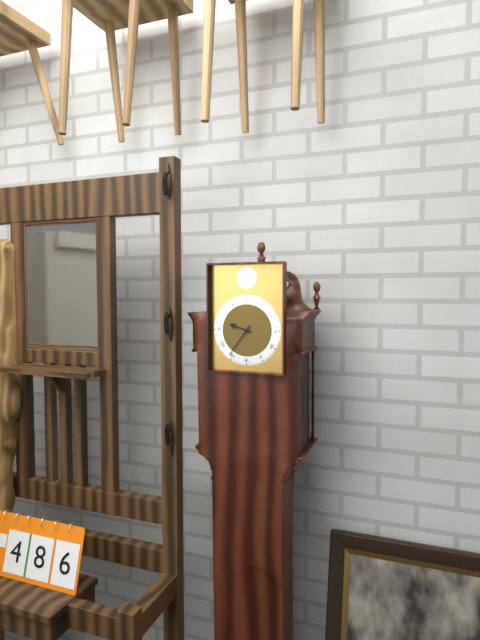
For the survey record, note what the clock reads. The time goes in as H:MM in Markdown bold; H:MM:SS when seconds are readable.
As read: **9:36**
